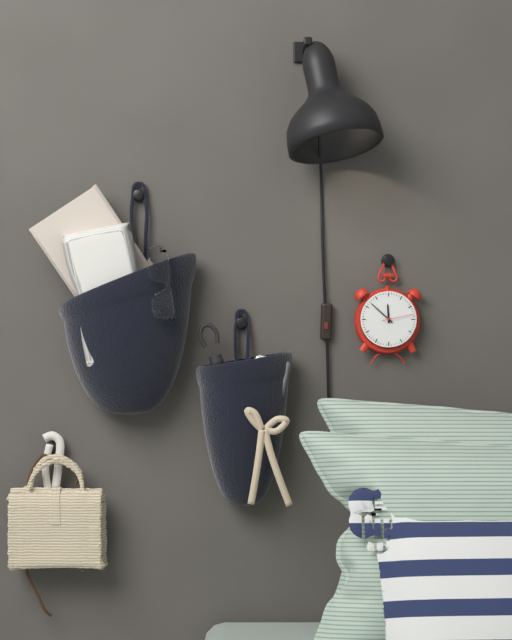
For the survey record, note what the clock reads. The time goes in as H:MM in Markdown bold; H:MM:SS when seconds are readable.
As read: **11:52**
